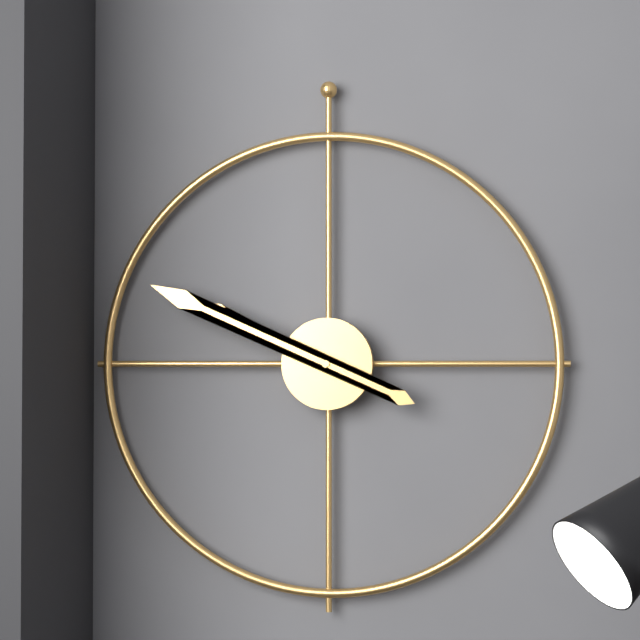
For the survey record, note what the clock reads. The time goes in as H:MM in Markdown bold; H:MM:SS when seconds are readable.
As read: **9:49**
